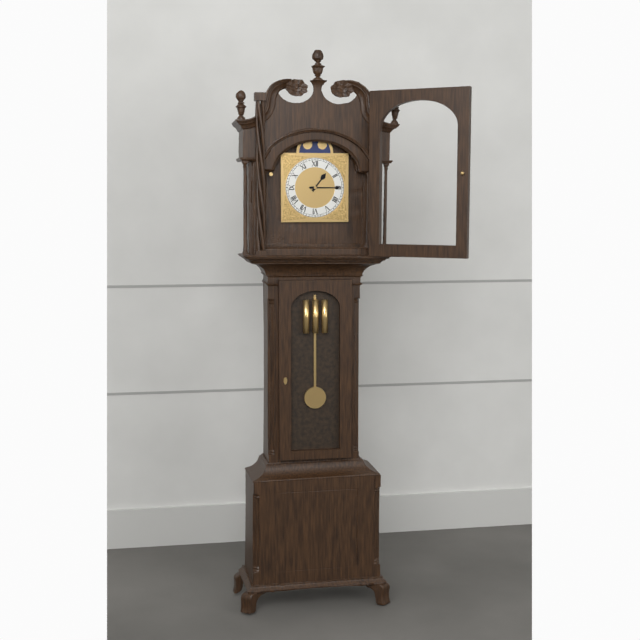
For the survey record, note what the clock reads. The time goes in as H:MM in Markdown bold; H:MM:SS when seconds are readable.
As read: **1:15**
